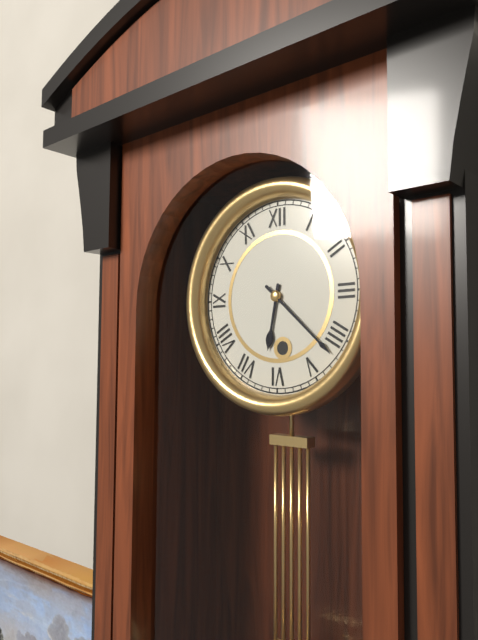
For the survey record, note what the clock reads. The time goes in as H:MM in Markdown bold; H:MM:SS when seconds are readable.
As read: **6:22**
